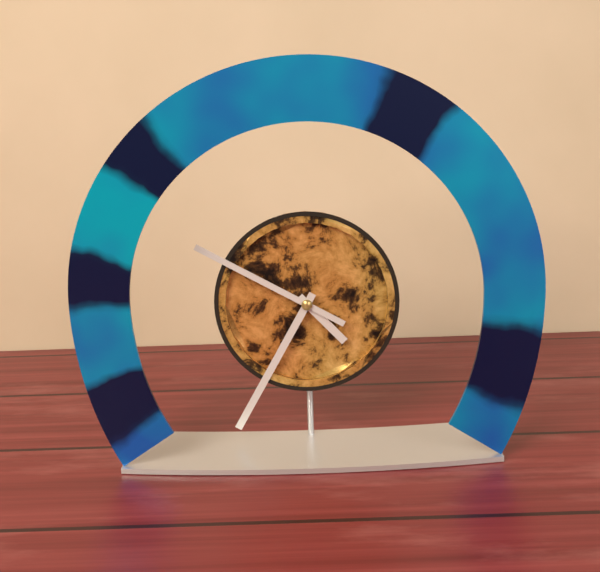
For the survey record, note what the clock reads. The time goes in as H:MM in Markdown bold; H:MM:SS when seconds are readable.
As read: **4:35:50**
